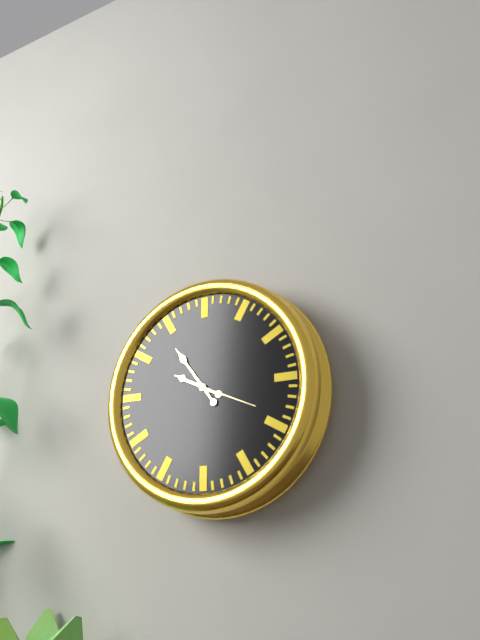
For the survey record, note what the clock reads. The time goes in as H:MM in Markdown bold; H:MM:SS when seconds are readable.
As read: **9:54:19**
